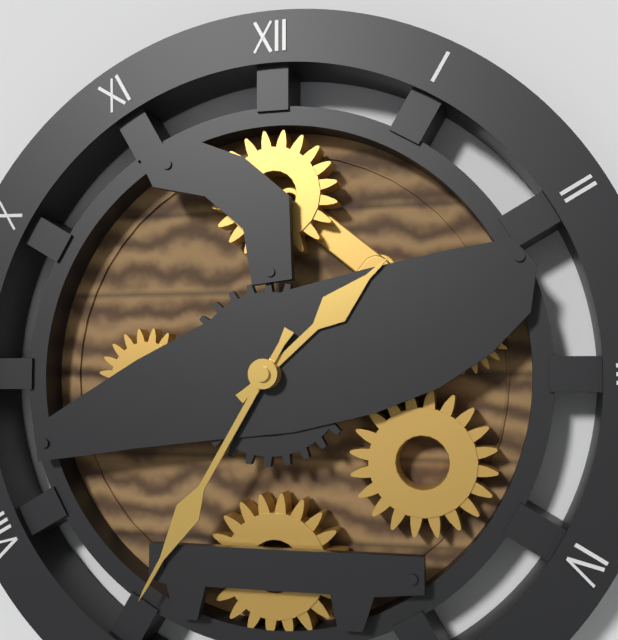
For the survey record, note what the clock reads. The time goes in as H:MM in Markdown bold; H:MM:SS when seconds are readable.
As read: **1:35**
